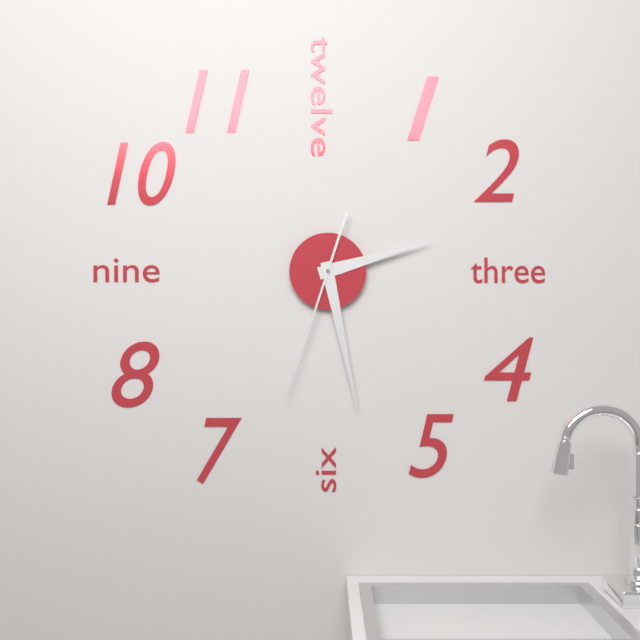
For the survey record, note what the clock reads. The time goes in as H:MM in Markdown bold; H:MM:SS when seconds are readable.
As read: **2:28:33**
